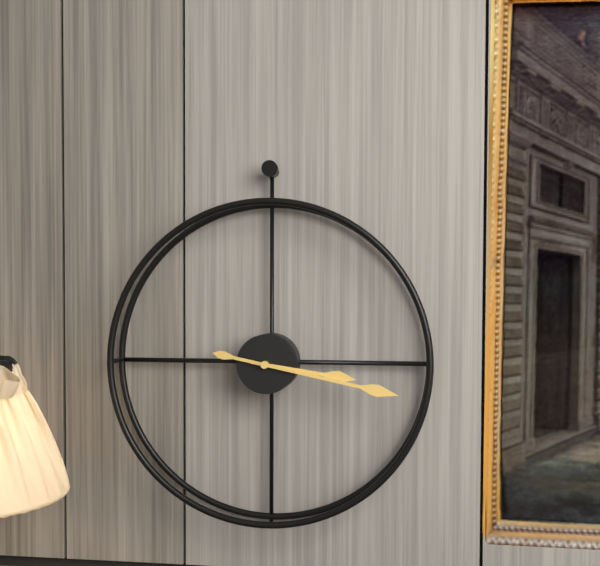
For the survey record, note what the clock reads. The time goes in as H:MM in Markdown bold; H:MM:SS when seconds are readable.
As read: **3:17**
